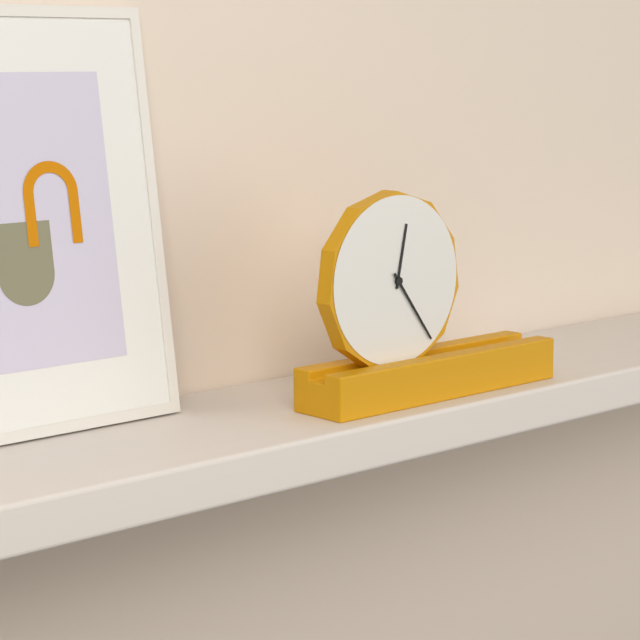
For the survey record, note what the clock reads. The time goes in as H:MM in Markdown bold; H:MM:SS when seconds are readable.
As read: **12:24**
